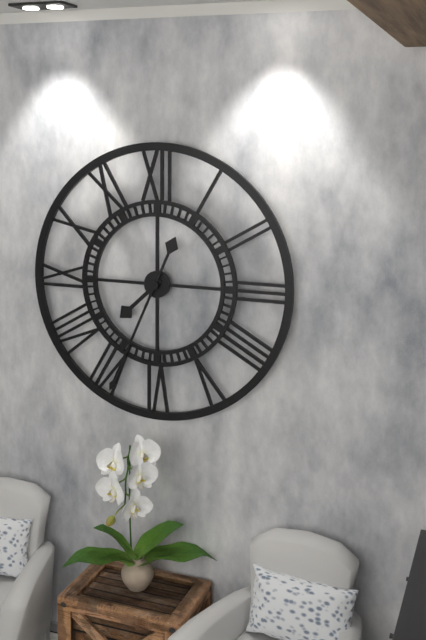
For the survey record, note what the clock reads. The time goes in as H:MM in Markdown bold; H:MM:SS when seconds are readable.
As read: **7:34**
